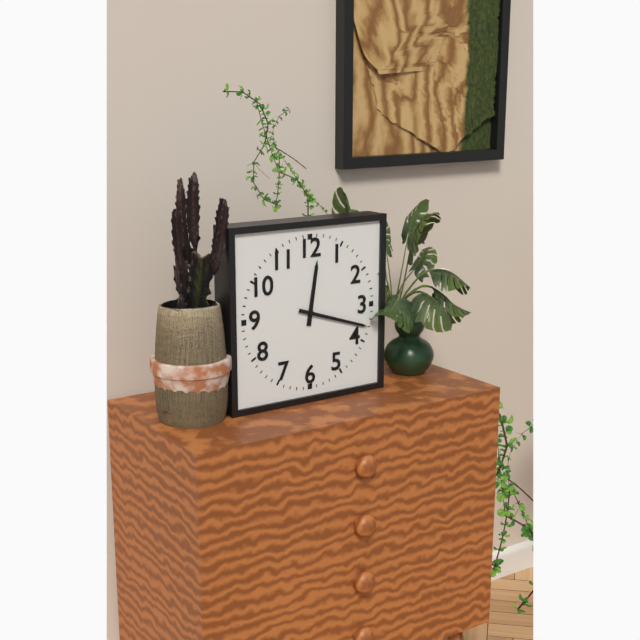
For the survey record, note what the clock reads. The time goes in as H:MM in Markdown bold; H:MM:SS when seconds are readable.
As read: **12:18**
